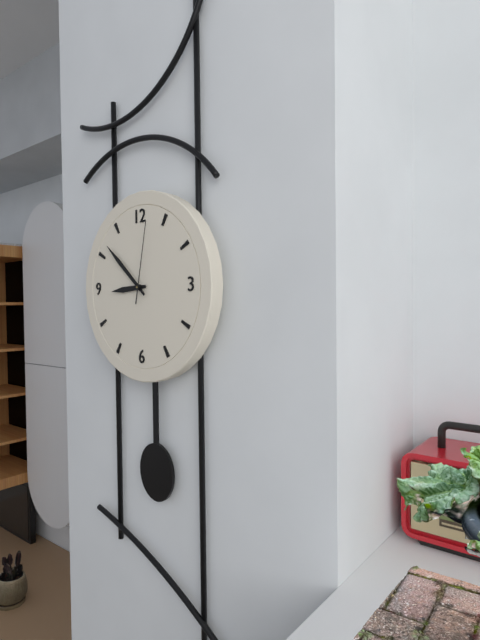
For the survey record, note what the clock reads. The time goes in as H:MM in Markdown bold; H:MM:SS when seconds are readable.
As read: **8:52:02**
